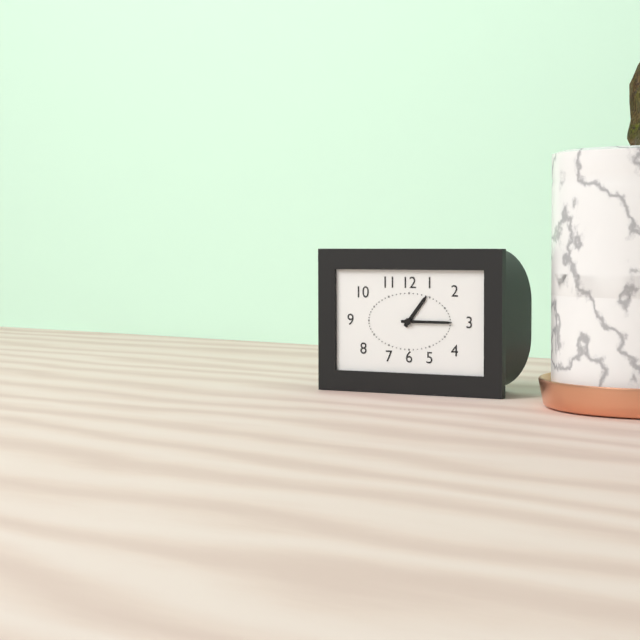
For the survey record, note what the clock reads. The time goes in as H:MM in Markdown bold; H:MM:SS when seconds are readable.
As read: **1:15**
